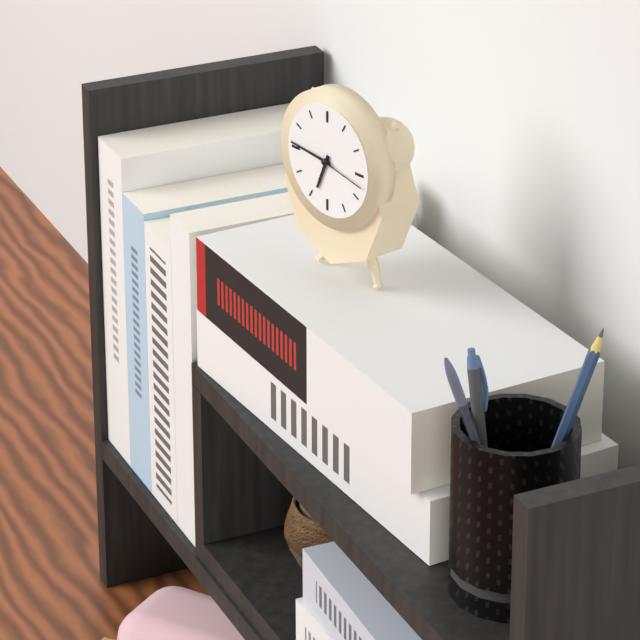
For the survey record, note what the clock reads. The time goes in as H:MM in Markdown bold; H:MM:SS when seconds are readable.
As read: **6:46:17**
